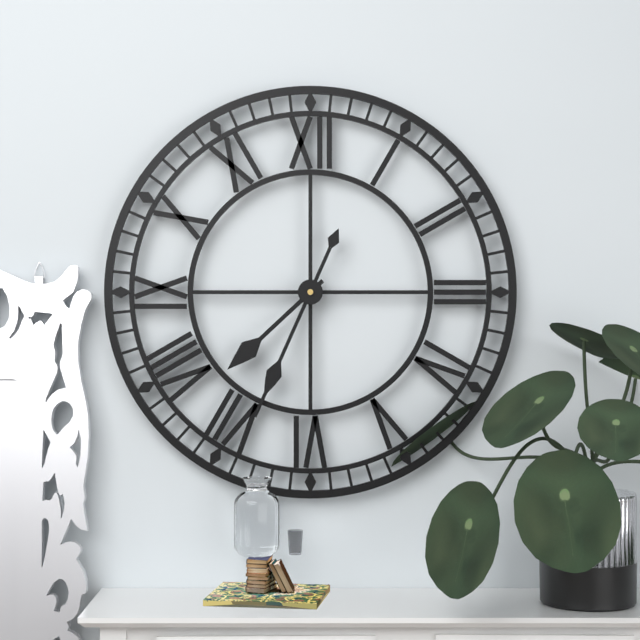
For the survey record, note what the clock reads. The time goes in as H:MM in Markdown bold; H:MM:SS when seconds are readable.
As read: **7:34**
